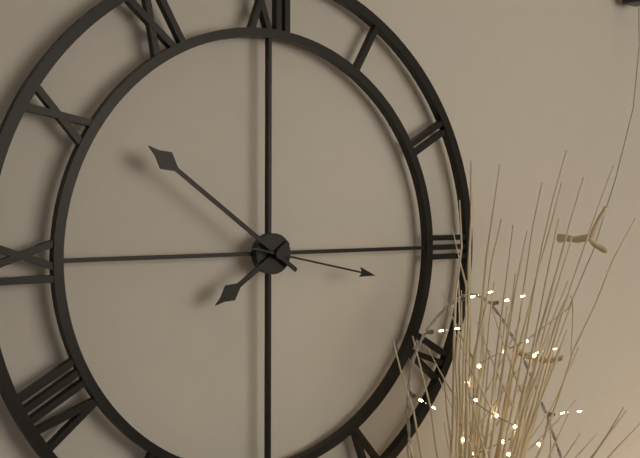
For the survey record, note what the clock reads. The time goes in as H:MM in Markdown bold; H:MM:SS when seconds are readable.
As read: **7:51:17**
